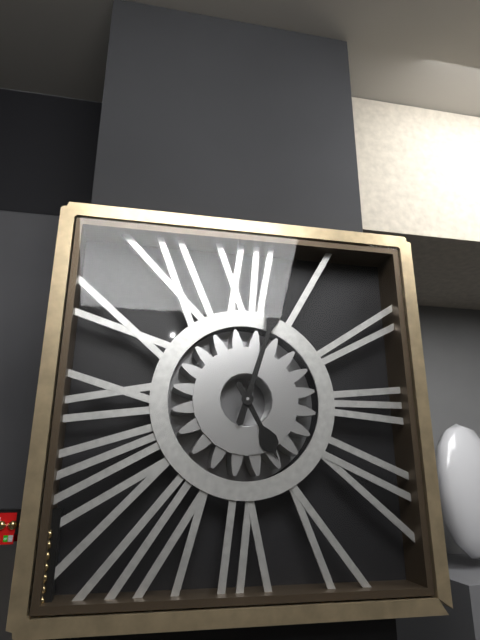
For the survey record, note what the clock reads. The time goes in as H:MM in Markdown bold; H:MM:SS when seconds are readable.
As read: **5:03**
